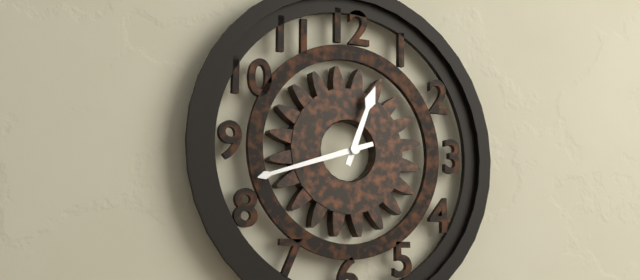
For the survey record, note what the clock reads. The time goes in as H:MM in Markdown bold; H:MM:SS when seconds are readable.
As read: **12:42**
